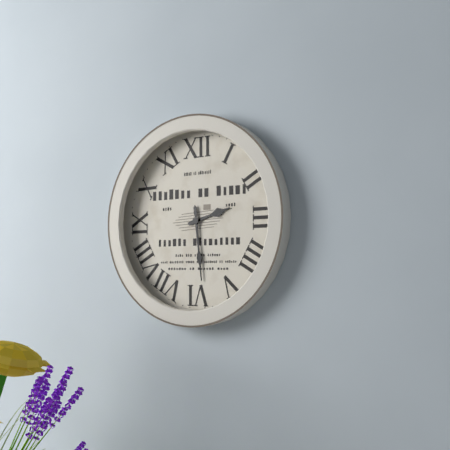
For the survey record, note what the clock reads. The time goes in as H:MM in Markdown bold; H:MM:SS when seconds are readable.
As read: **2:29**
